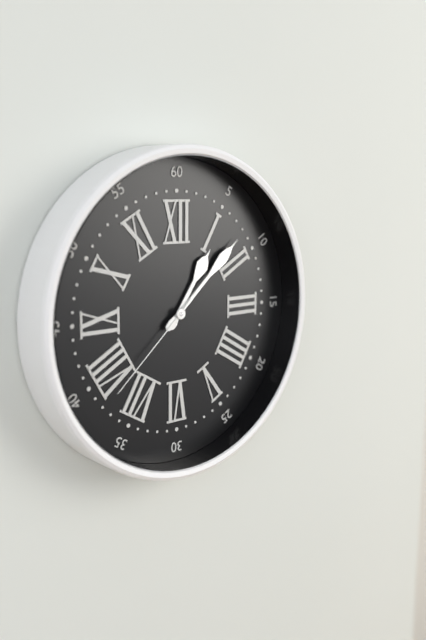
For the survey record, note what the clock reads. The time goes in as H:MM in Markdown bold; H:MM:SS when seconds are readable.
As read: **1:08:38**
